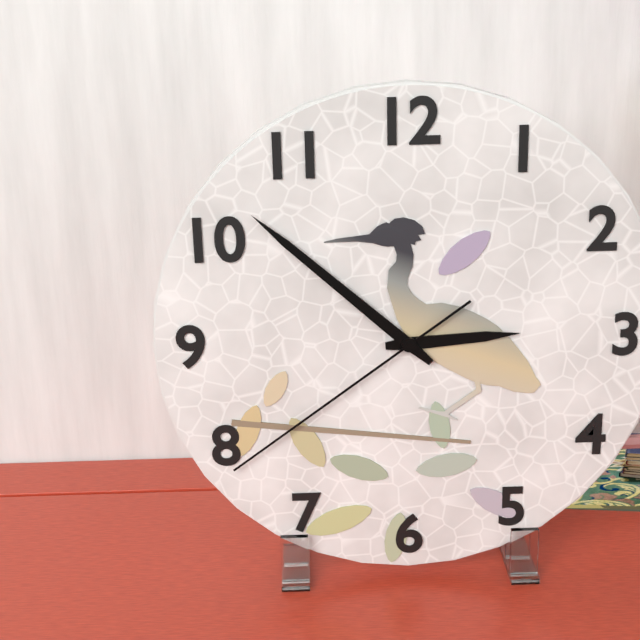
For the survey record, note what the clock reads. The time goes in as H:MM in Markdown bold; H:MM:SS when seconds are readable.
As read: **2:52:39**
